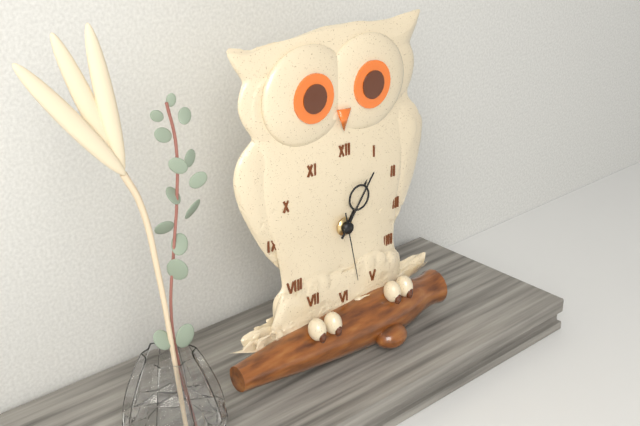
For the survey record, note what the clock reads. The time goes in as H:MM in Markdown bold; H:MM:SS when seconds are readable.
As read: **1:06:28**
